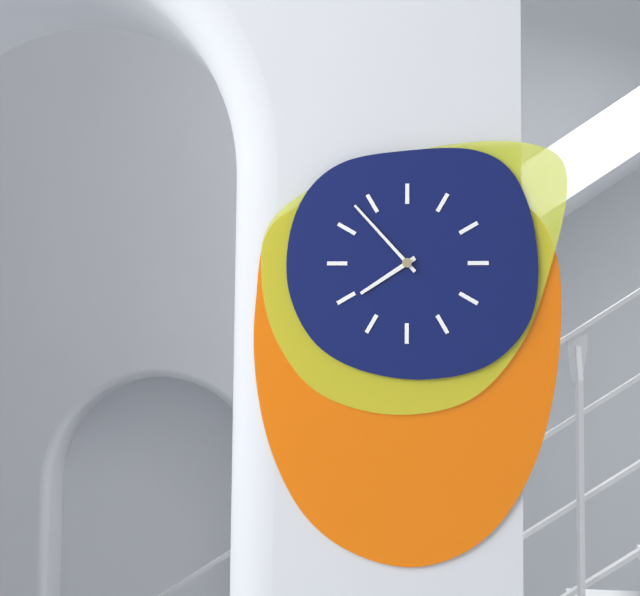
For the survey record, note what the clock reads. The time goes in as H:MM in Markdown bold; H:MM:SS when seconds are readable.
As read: **7:53**
